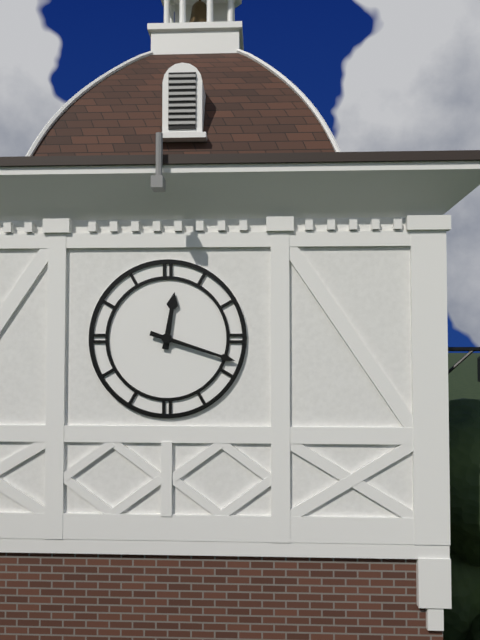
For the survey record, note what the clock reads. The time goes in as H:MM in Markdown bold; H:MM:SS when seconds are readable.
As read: **12:18**
